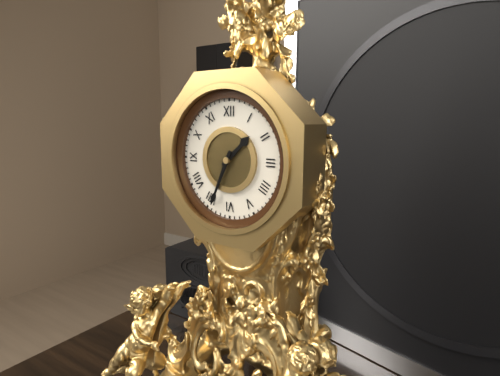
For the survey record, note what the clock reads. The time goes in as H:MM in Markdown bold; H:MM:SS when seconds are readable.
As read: **1:34**
